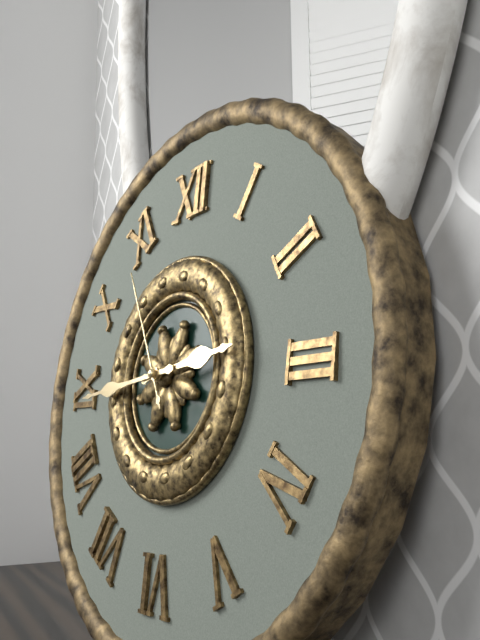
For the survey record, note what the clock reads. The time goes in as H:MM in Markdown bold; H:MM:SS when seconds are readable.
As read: **2:44:55**
